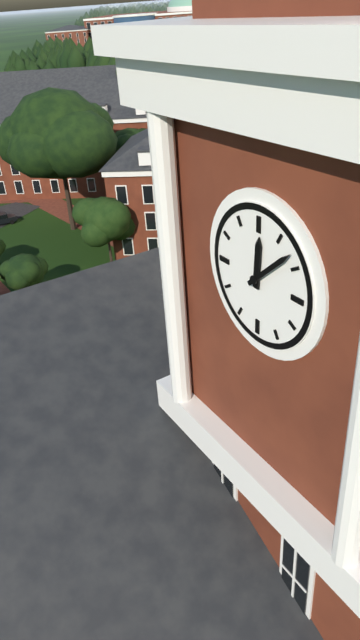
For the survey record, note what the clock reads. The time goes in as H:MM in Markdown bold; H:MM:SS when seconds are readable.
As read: **12:08**
